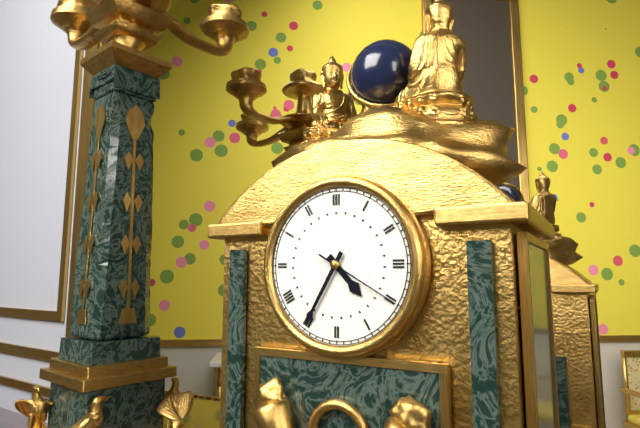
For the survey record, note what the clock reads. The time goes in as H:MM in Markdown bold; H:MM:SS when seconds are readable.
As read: **4:35:20**
